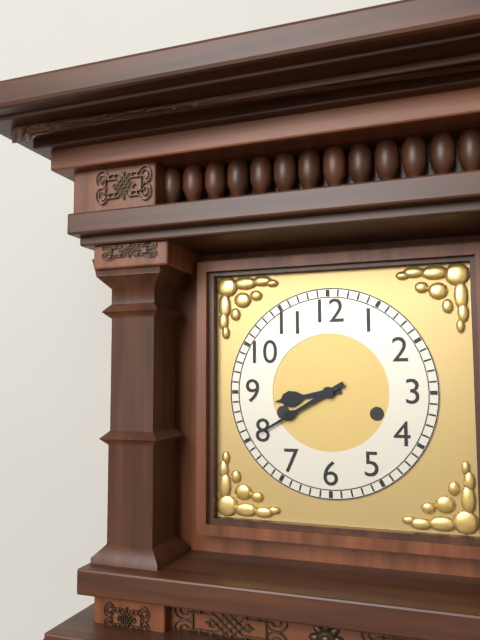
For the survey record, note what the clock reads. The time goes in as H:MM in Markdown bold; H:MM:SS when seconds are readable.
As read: **8:40**
